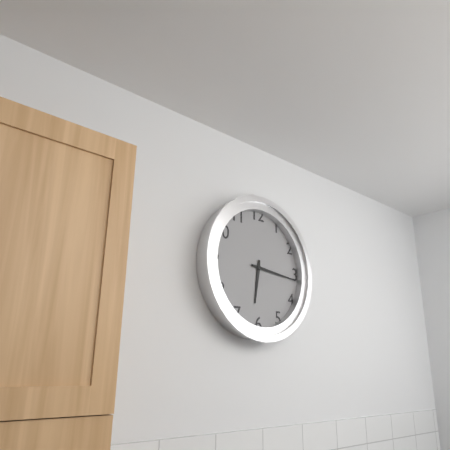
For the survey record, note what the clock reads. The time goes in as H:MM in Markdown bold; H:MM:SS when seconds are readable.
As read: **6:16**
